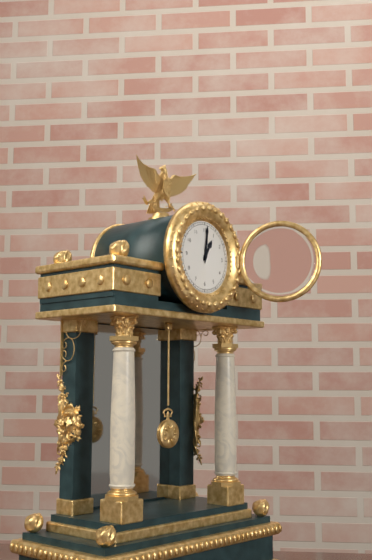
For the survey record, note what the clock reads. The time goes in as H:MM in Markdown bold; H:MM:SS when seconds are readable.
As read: **1:01**
